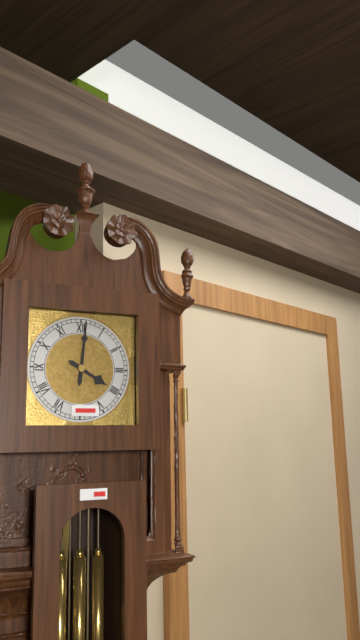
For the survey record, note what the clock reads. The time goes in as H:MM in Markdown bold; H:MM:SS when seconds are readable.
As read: **4:01**
